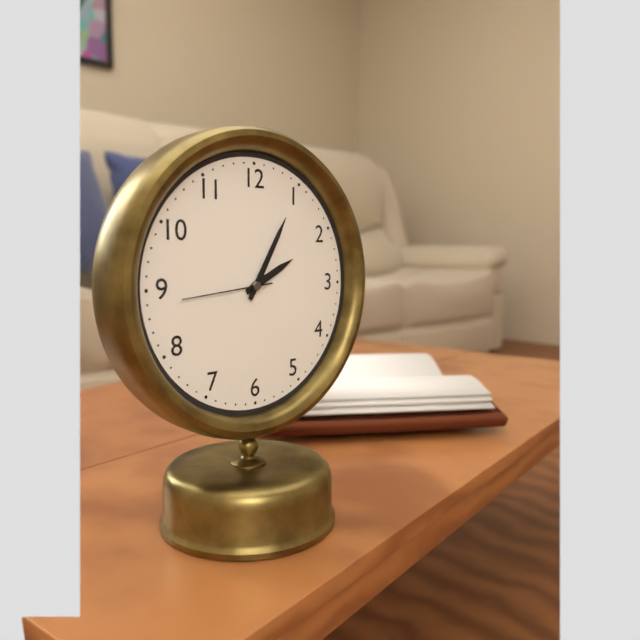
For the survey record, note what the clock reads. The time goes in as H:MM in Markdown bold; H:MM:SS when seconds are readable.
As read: **2:05:44**
